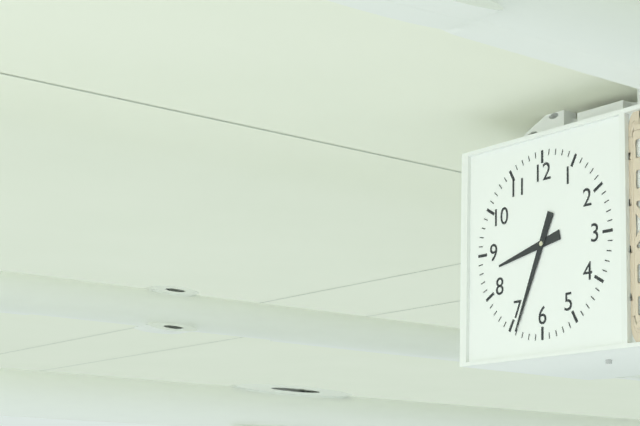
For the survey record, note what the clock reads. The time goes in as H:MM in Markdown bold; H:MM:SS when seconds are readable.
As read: **8:34**
